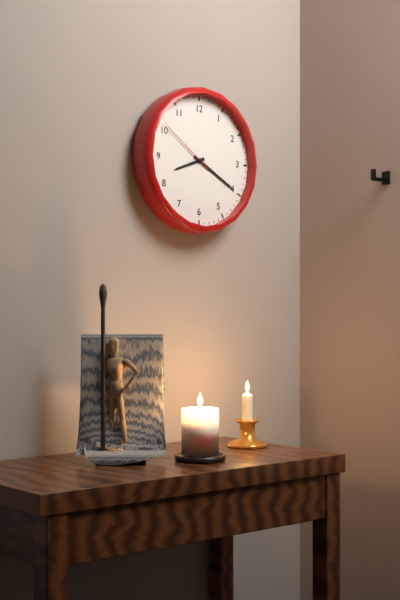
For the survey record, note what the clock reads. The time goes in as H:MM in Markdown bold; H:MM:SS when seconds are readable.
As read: **8:20:51**
